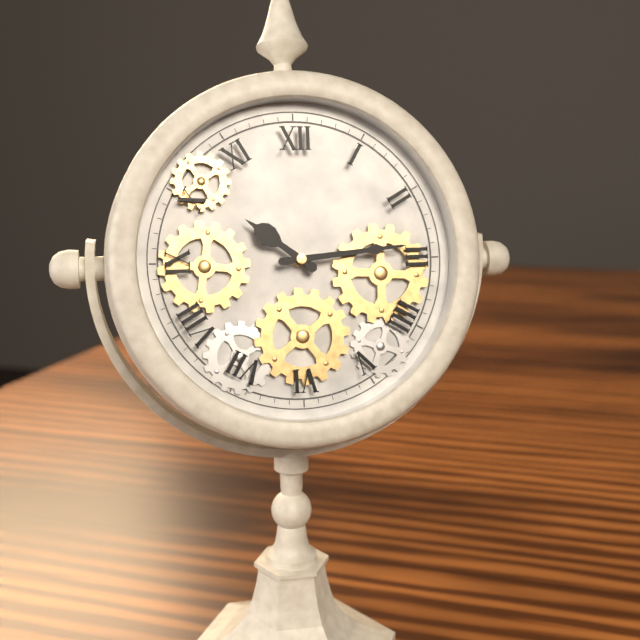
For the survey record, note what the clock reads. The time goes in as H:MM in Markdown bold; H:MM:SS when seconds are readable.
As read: **10:14**
